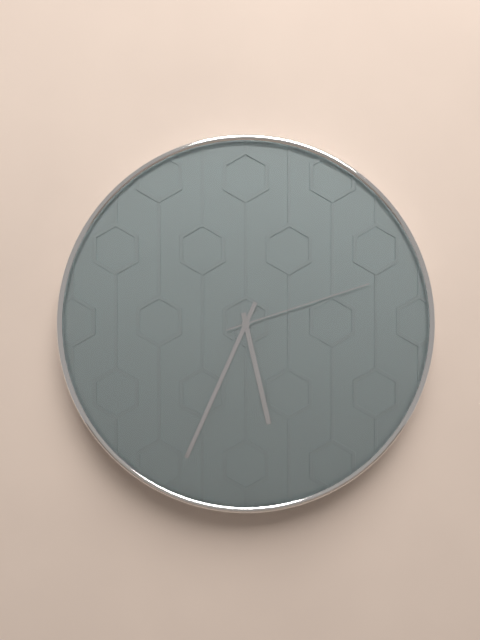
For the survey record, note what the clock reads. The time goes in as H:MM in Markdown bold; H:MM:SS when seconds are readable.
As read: **5:34:12**
